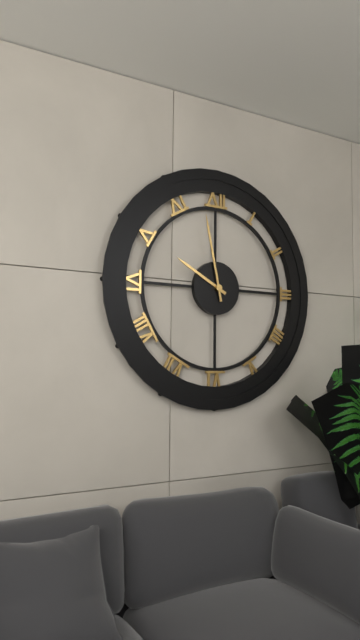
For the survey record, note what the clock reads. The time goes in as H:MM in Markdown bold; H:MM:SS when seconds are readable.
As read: **9:58**
